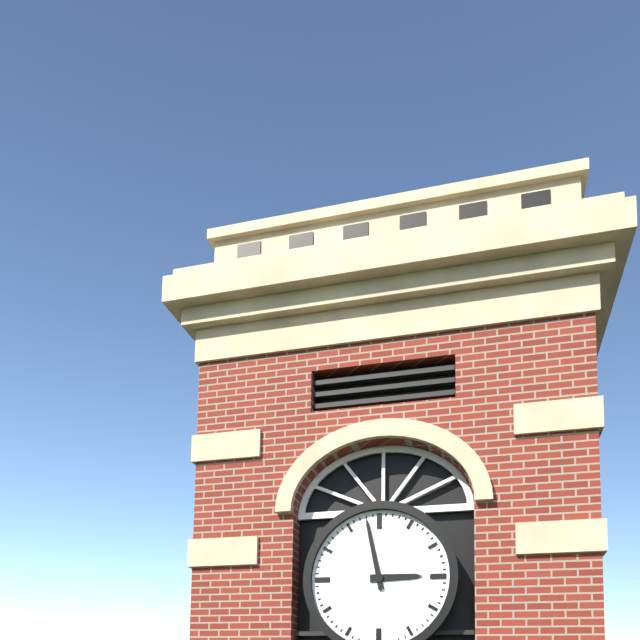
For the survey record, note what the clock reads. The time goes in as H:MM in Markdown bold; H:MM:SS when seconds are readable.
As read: **2:58**
